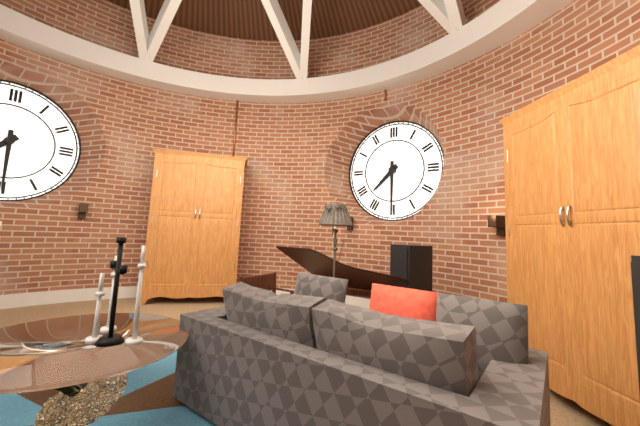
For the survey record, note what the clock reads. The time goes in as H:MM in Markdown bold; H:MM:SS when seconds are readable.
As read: **7:30**
